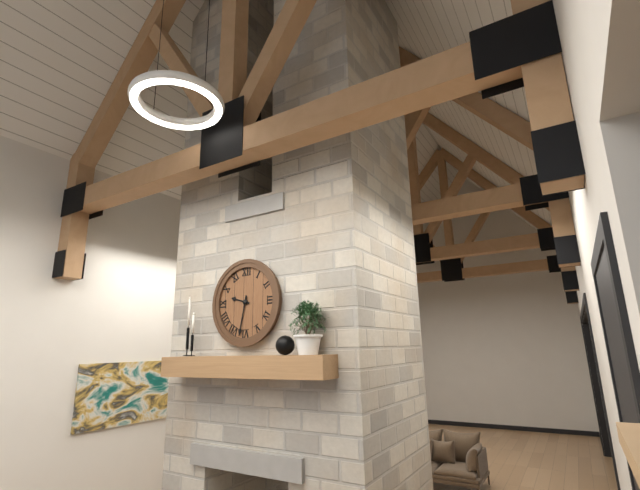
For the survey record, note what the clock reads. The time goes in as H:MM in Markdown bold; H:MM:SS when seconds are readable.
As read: **9:32**
